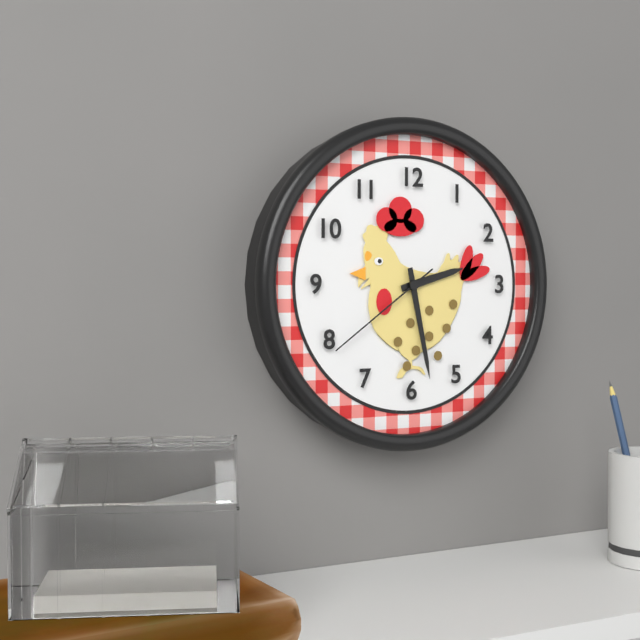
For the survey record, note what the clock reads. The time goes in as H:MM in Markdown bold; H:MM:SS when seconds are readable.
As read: **2:28:39**
